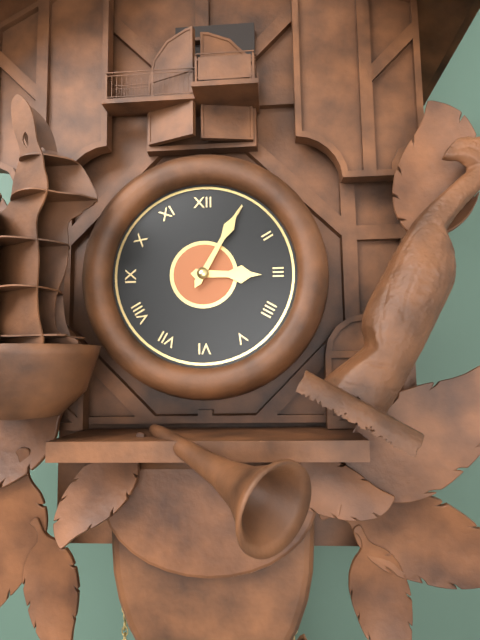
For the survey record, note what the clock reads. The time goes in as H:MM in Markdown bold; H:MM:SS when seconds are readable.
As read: **3:05**
